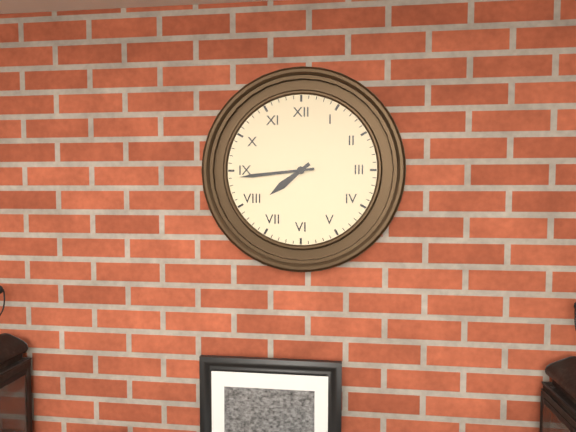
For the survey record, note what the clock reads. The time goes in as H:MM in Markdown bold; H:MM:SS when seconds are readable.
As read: **7:44**
